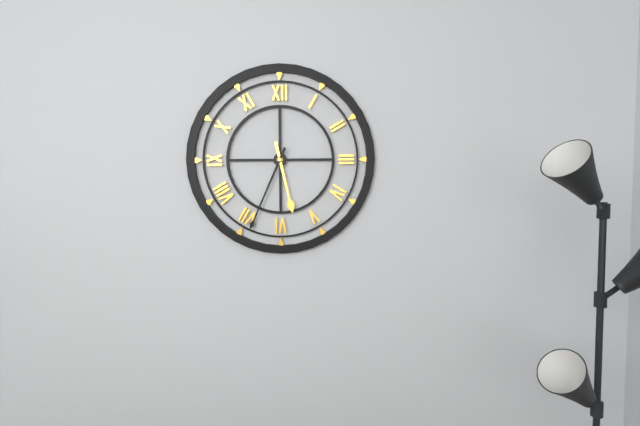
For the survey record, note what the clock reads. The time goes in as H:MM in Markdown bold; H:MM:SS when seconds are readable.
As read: **5:34**
